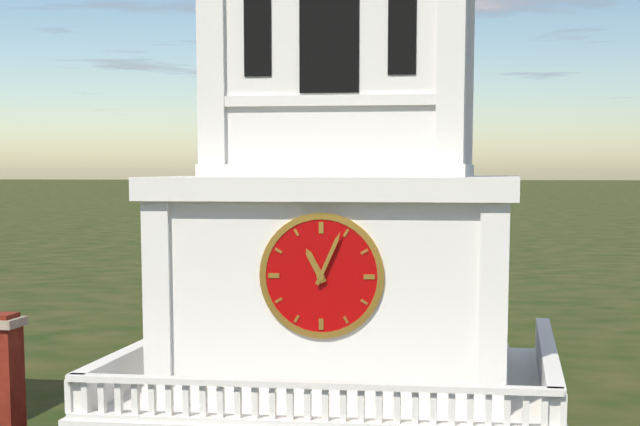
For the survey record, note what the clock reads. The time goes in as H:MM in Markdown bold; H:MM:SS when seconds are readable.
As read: **11:04**
